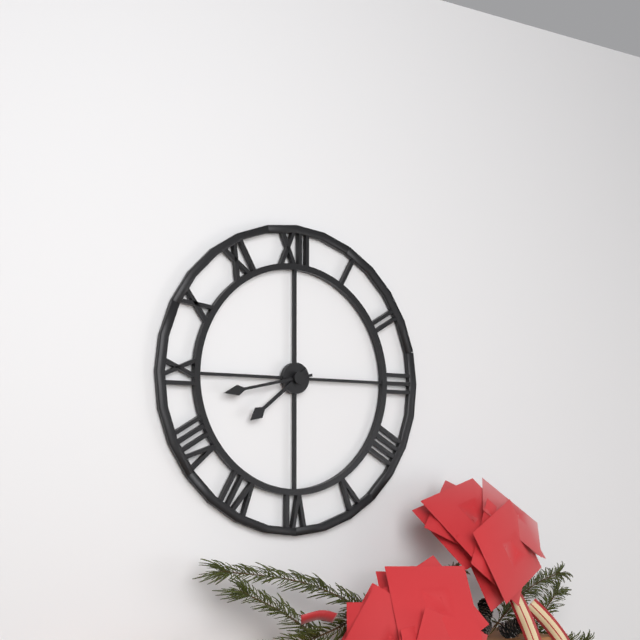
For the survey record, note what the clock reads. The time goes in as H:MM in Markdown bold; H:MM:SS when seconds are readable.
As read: **7:43**
